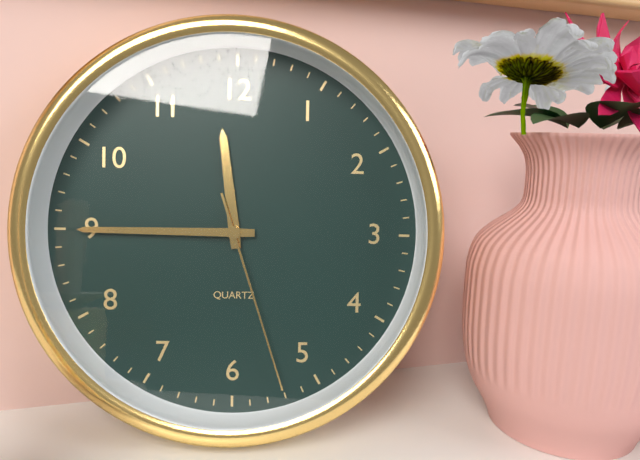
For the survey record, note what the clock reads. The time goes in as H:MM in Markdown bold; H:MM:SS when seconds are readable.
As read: **11:45:27**
